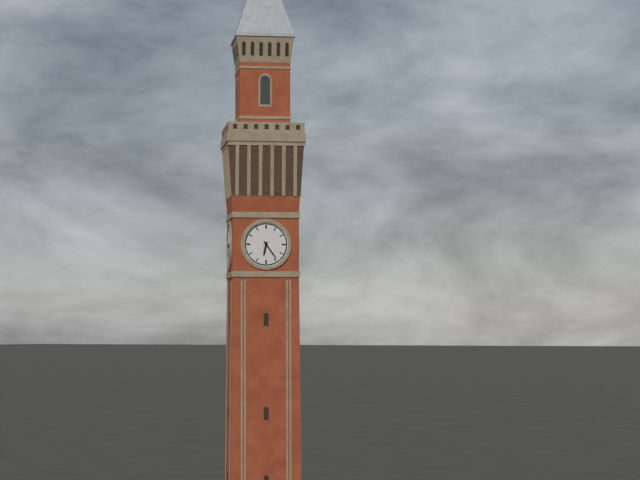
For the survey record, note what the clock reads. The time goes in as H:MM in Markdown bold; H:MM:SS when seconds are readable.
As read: **6:24**
